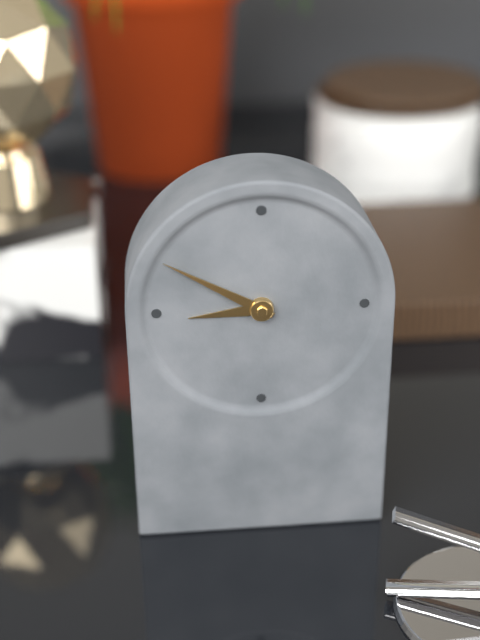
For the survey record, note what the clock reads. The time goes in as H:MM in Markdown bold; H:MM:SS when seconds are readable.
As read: **8:50**
